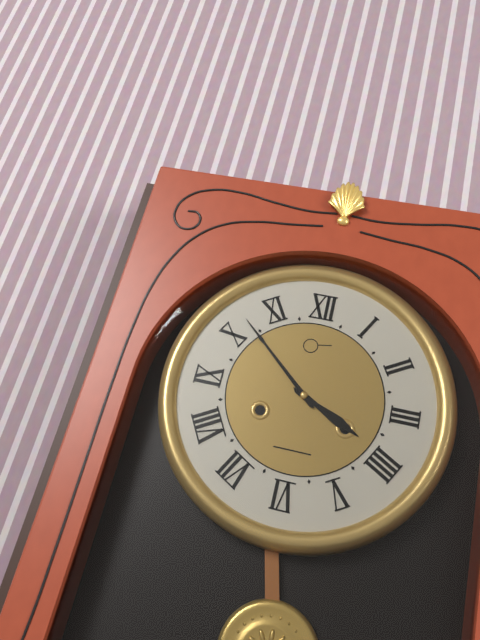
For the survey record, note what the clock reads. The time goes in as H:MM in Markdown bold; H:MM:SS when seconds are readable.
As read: **3:52**
